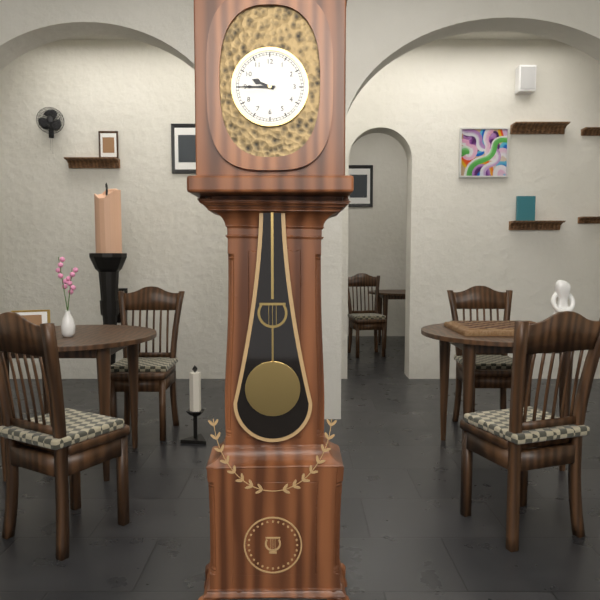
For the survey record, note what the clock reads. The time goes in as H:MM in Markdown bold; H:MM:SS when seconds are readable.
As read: **9:45**
